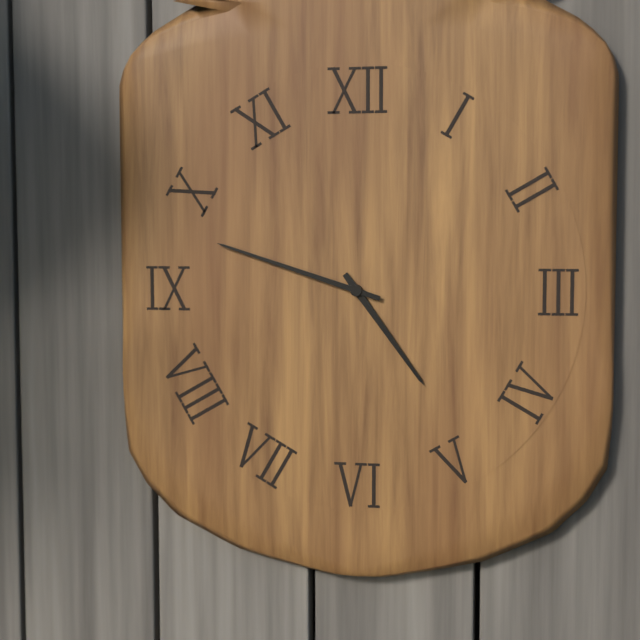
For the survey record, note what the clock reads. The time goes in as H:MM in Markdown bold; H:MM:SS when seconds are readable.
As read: **4:48**
